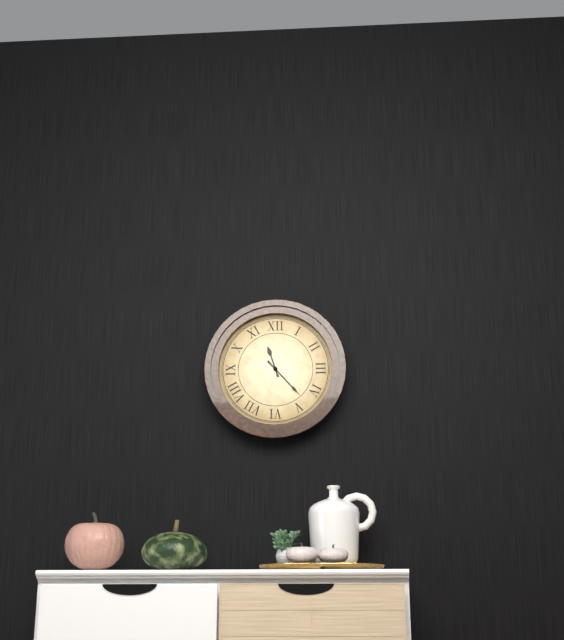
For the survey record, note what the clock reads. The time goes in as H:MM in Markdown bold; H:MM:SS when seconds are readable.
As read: **11:23**
